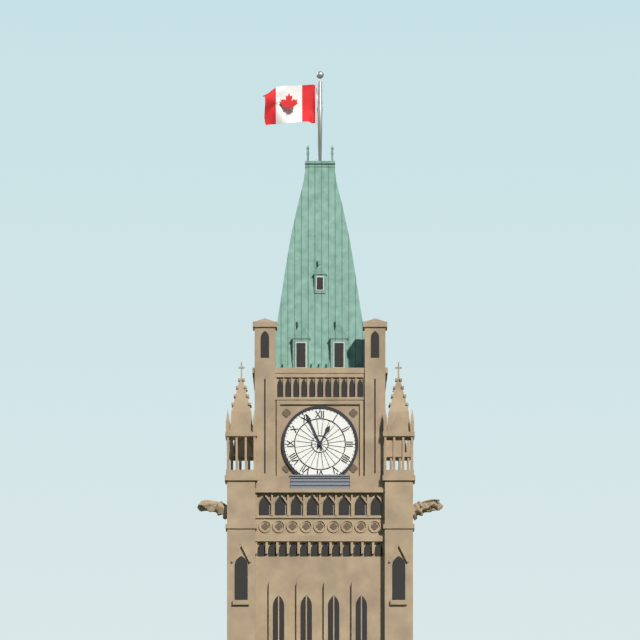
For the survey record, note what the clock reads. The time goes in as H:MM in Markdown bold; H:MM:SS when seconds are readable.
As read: **12:56**
